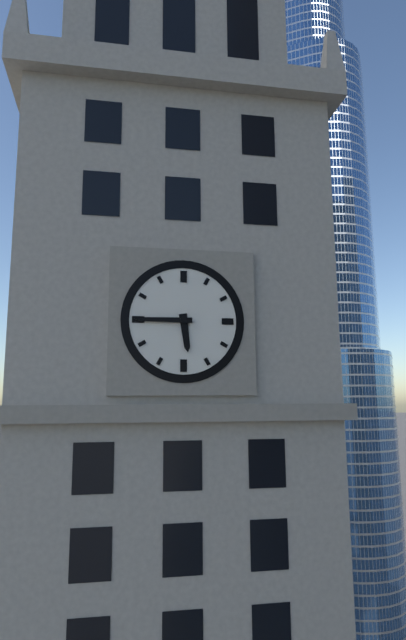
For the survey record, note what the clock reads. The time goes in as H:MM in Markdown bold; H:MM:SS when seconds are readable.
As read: **5:45**
